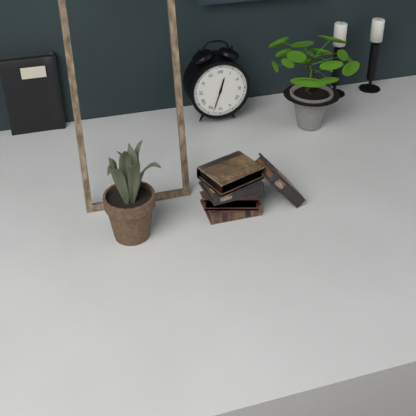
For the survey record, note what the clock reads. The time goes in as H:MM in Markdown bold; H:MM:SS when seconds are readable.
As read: **12:33**
